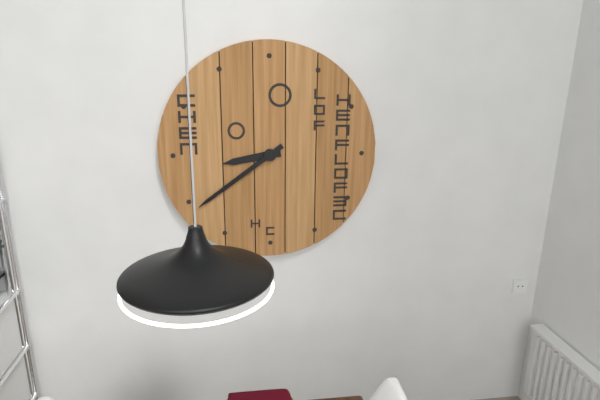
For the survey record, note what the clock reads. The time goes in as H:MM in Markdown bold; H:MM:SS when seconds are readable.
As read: **8:39**
